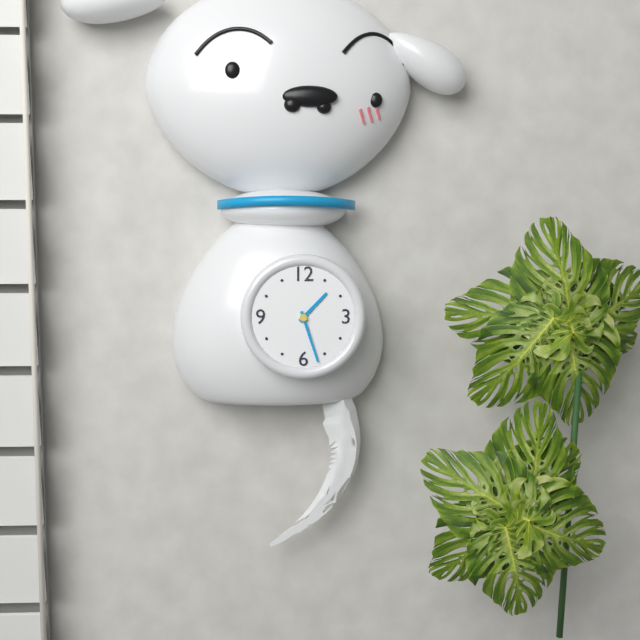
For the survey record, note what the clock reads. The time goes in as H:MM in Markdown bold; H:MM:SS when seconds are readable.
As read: **1:27**
